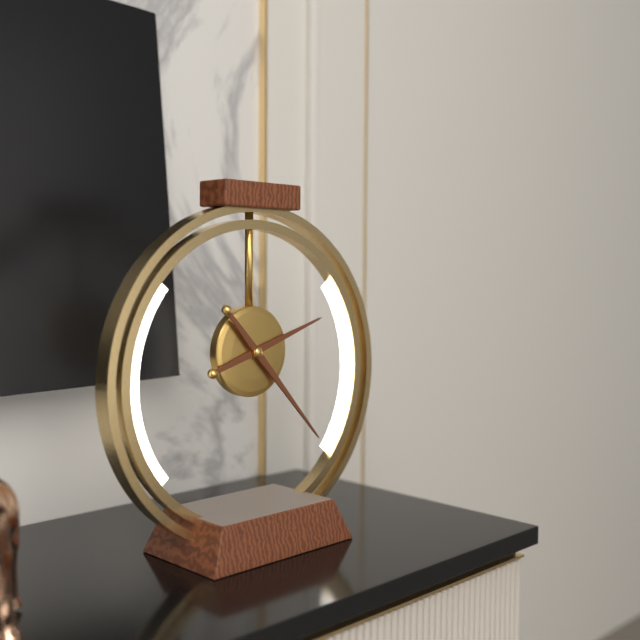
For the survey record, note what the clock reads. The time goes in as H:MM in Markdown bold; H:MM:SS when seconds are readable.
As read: **2:23**
